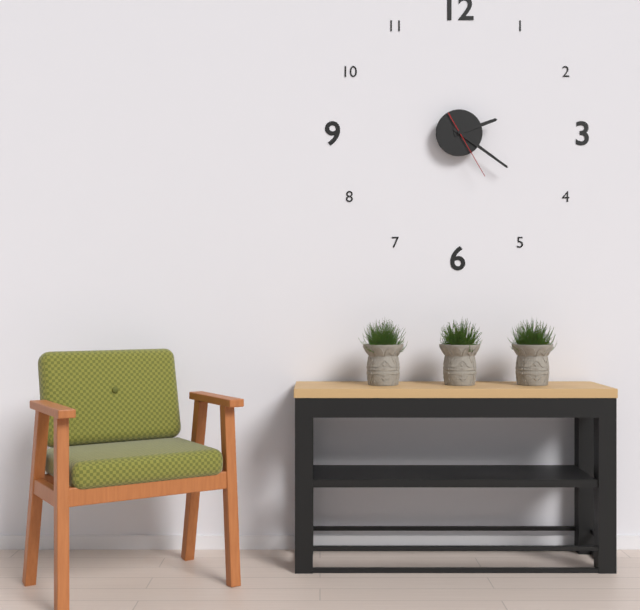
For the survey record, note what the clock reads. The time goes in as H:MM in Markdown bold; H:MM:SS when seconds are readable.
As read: **2:21:25**
